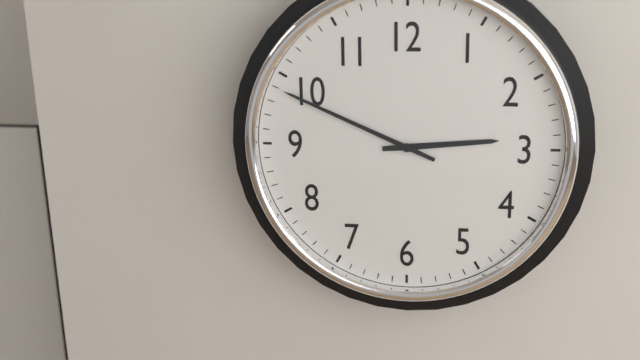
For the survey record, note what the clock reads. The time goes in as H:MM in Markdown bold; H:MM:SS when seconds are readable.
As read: **2:49**
